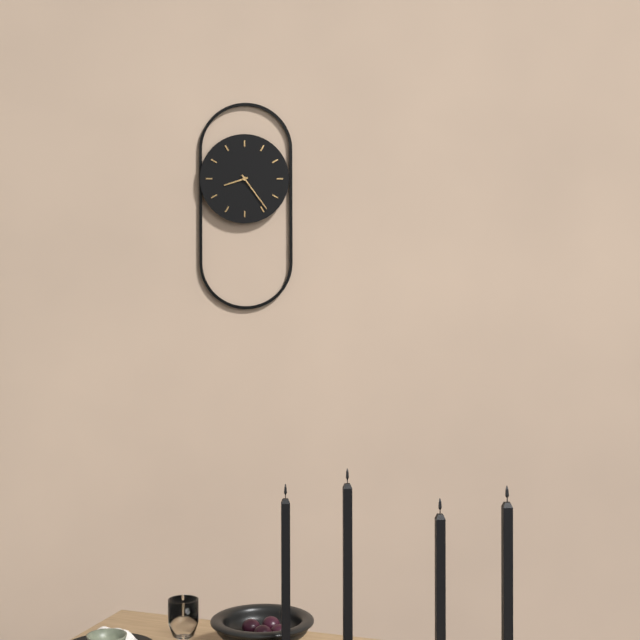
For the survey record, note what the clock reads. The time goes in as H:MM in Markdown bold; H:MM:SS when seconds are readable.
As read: **8:24**
